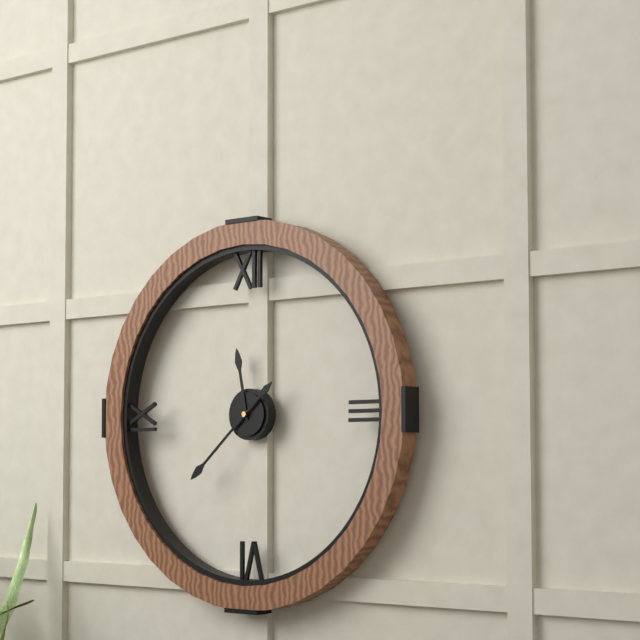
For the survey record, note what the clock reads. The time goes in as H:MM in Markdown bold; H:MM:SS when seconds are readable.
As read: **11:38**
